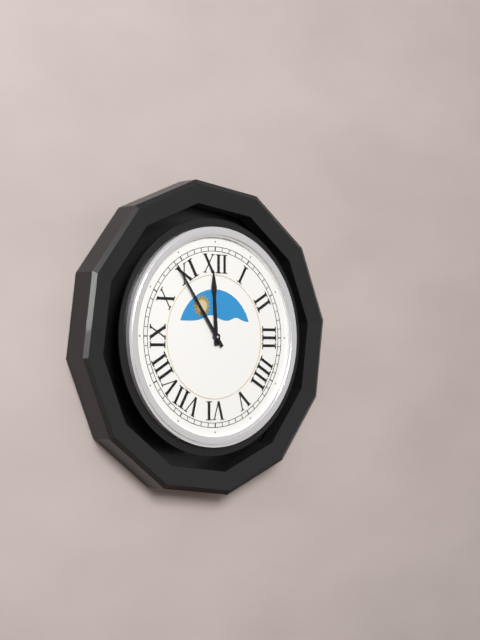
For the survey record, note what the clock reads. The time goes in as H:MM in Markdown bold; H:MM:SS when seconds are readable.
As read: **11:54**
